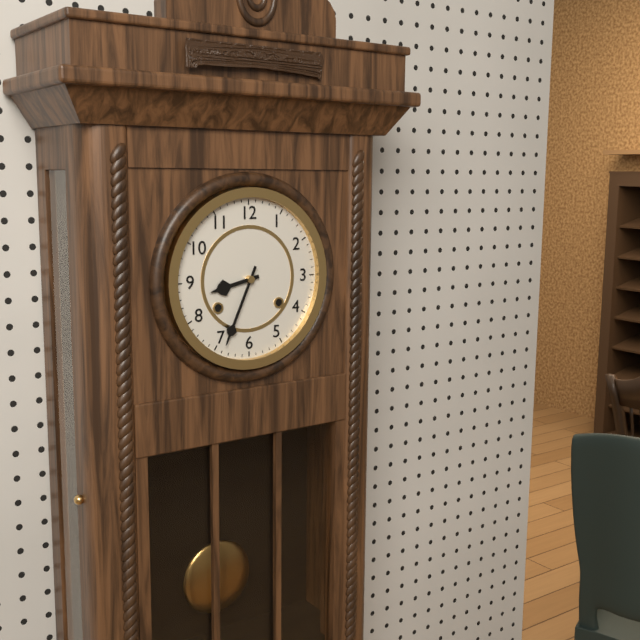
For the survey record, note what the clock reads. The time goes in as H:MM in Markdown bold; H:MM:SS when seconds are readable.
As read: **8:34**
